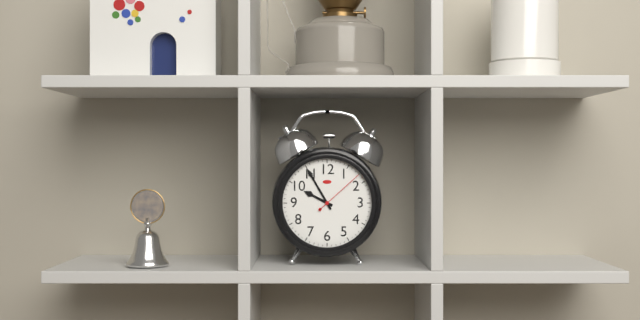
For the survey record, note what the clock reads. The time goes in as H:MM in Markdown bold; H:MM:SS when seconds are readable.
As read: **9:55:08**
